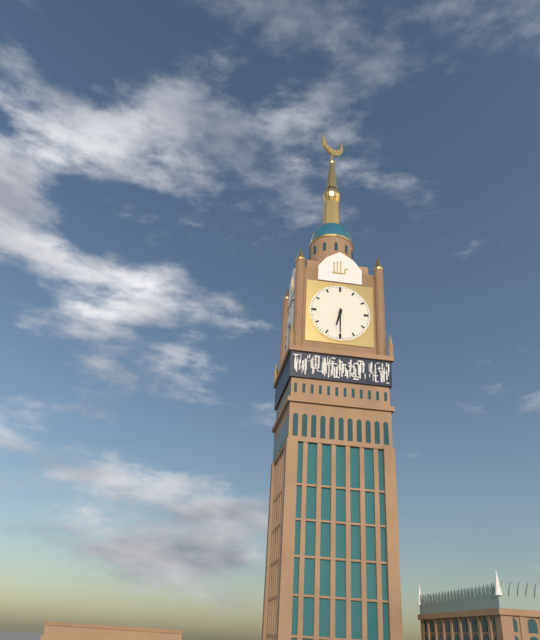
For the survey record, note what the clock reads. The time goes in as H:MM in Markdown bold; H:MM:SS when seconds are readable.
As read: **6:30**
